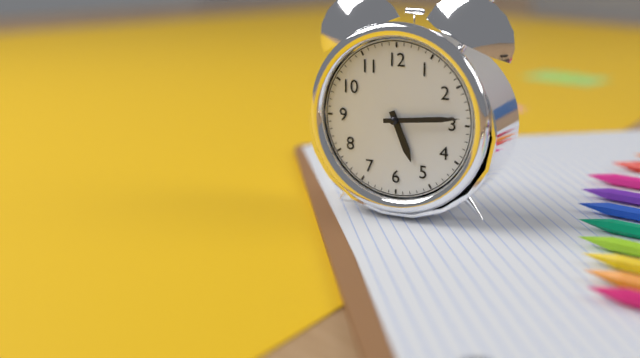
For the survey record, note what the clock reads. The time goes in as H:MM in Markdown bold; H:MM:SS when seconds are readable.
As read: **5:14**
